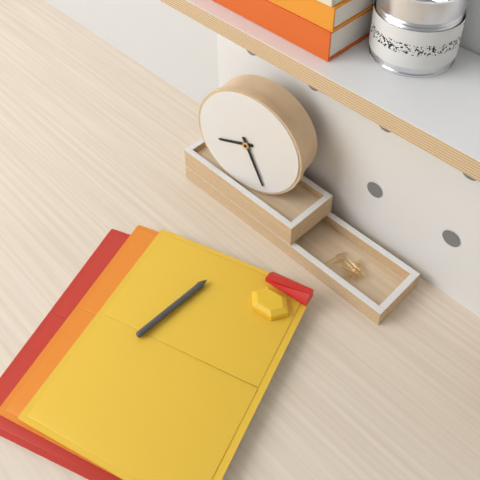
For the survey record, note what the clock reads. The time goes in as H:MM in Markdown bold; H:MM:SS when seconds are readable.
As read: **8:26**
